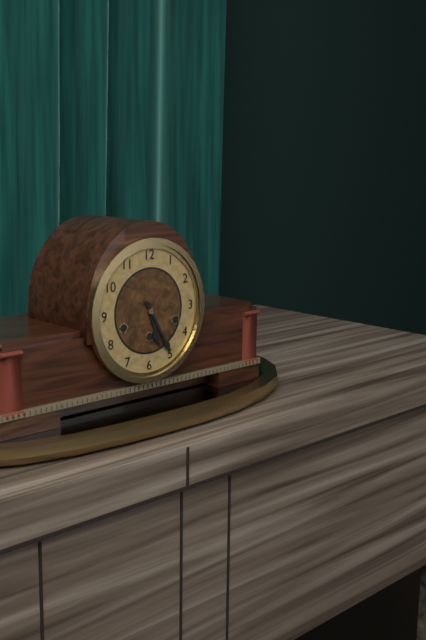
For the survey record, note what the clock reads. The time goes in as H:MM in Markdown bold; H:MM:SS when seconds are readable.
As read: **5:25**
